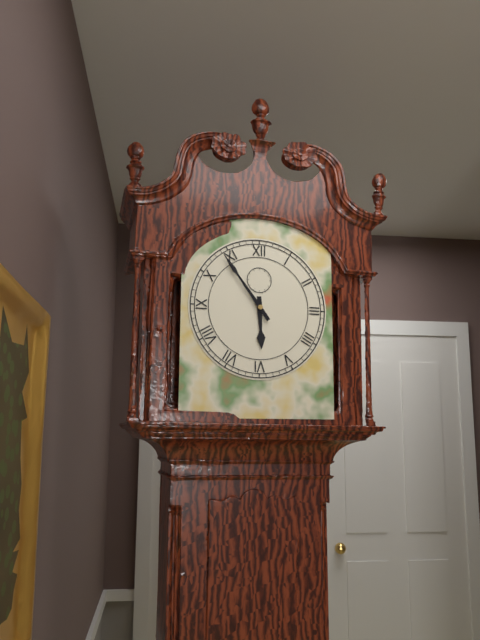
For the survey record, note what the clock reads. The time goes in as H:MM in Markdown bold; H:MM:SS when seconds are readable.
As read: **5:54**
